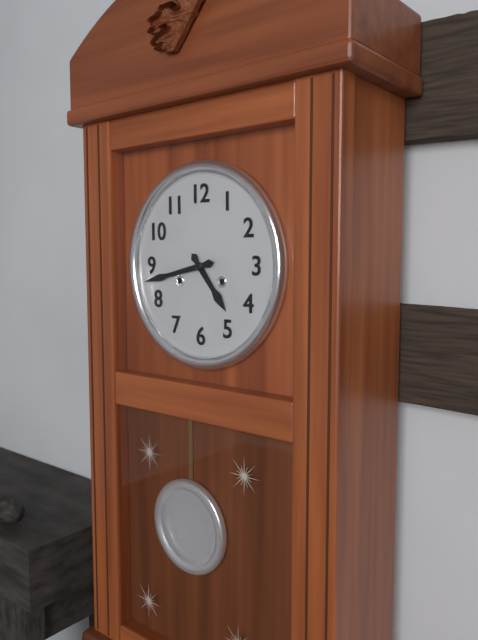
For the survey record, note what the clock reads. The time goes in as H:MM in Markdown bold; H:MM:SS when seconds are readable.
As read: **4:43**
